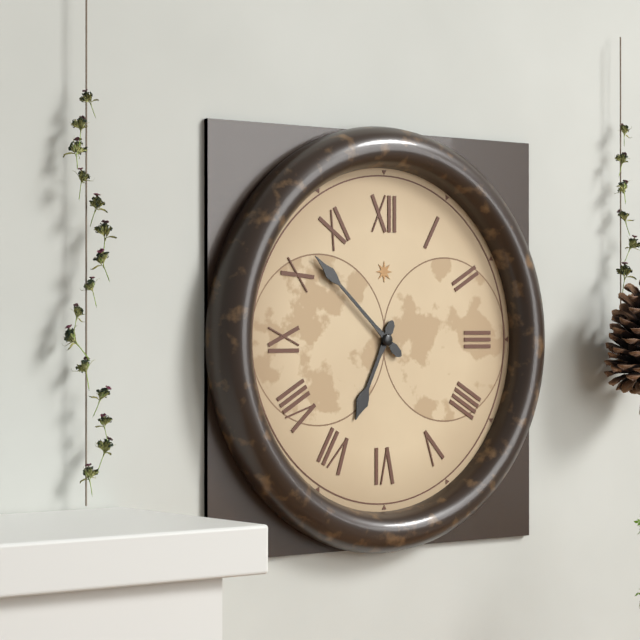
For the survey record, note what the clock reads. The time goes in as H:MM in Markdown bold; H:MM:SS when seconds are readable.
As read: **6:52**
